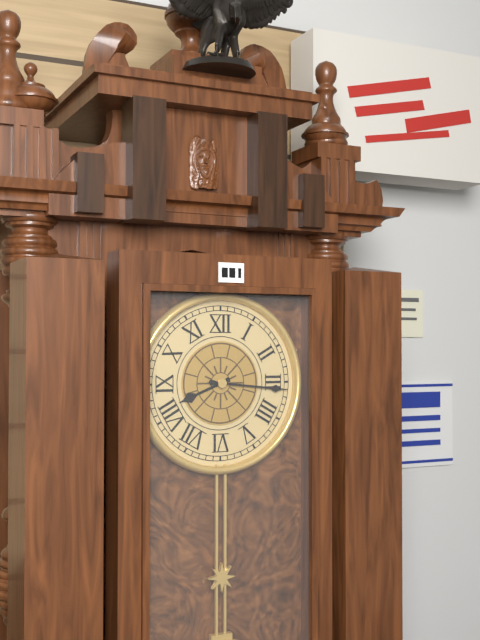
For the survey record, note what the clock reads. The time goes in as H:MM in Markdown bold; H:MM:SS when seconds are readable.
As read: **8:16**
